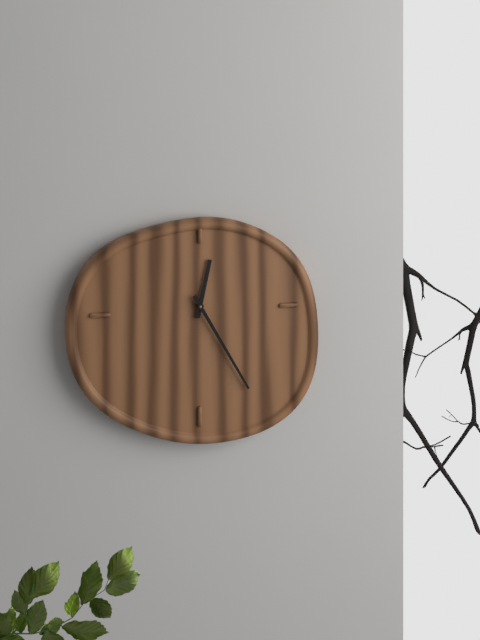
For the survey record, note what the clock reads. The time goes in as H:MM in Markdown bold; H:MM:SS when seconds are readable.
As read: **12:25**
